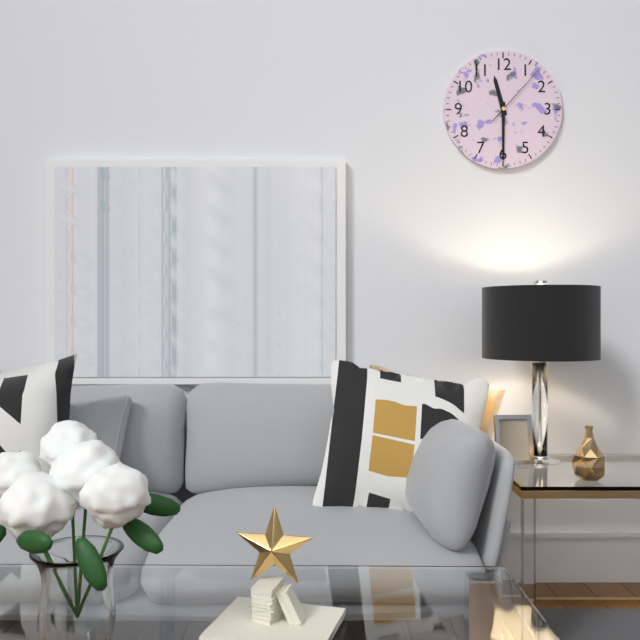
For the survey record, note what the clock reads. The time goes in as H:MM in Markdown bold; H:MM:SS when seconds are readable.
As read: **11:30:07**
